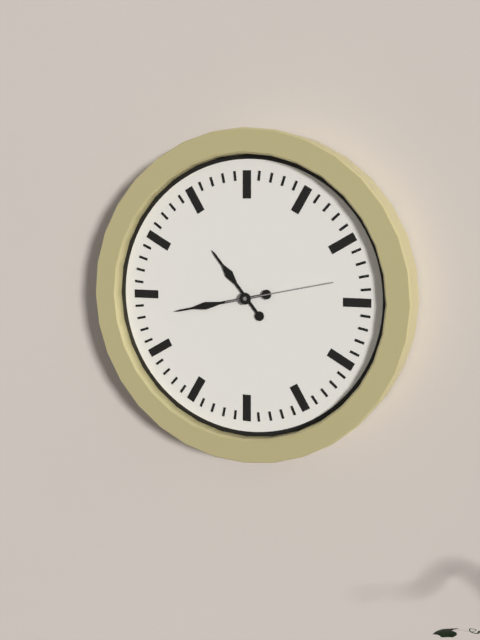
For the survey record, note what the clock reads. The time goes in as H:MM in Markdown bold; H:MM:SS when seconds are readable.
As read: **10:43:13**
